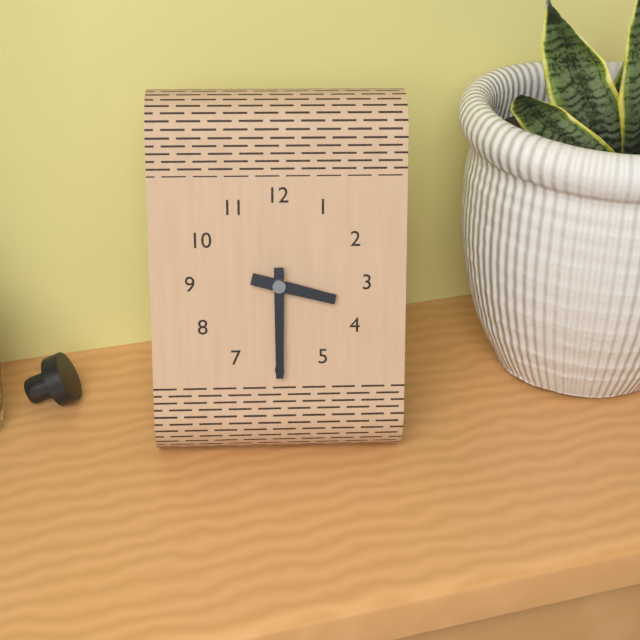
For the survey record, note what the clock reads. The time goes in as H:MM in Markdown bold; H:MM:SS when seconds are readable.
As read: **3:30**
